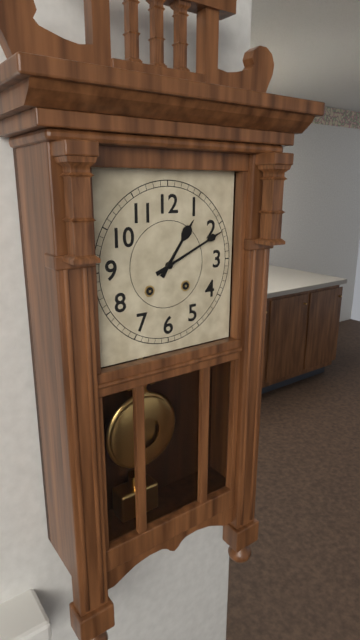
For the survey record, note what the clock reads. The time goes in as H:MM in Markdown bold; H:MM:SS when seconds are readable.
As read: **1:11**
